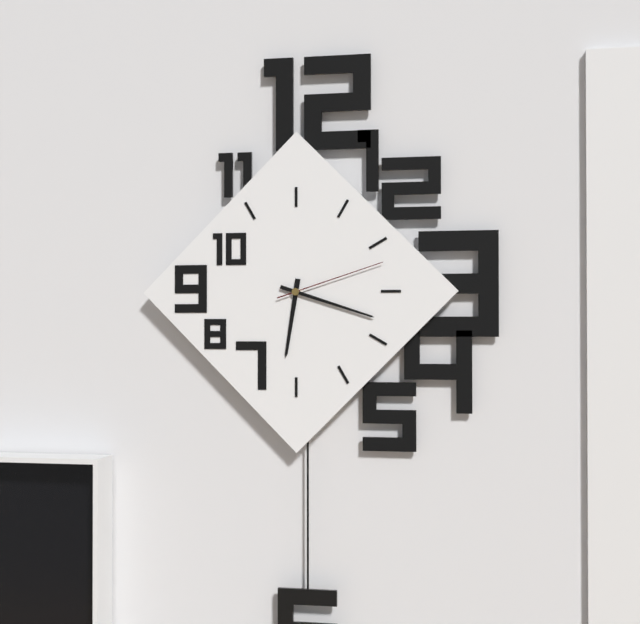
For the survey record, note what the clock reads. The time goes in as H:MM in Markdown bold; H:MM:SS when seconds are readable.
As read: **6:18:12**
